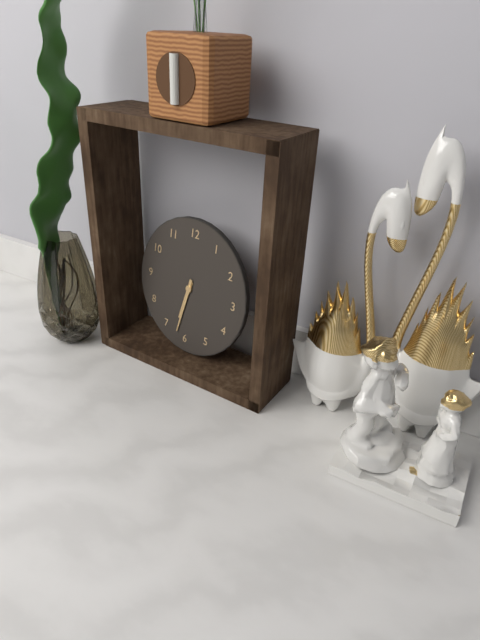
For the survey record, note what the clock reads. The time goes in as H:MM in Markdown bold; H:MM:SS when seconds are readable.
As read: **6:32**
